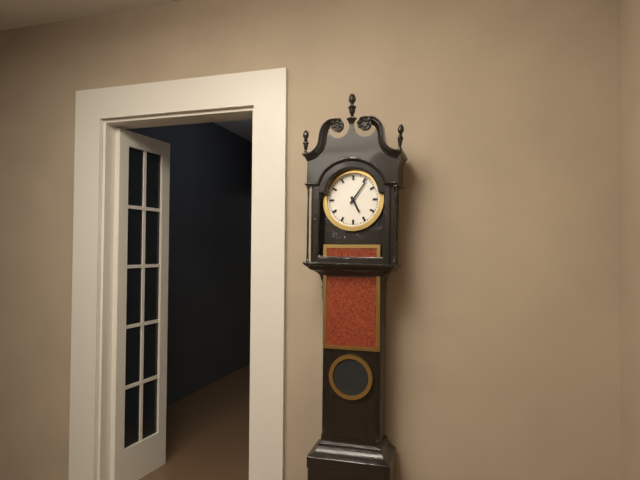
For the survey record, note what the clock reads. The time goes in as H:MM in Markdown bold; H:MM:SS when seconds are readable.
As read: **5:06**
